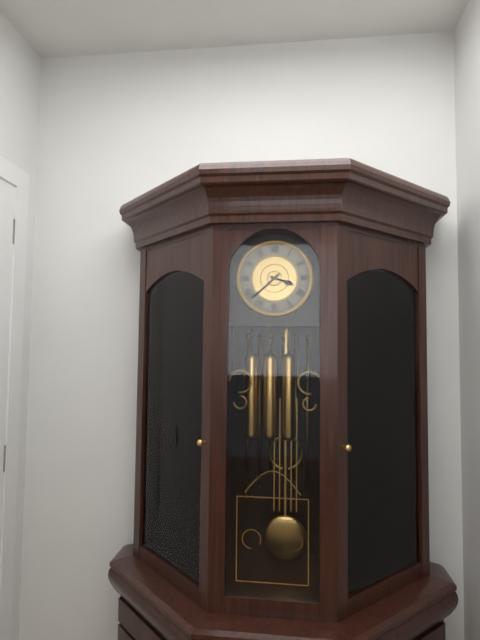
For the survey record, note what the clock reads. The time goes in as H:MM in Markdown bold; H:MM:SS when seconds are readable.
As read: **3:38**
